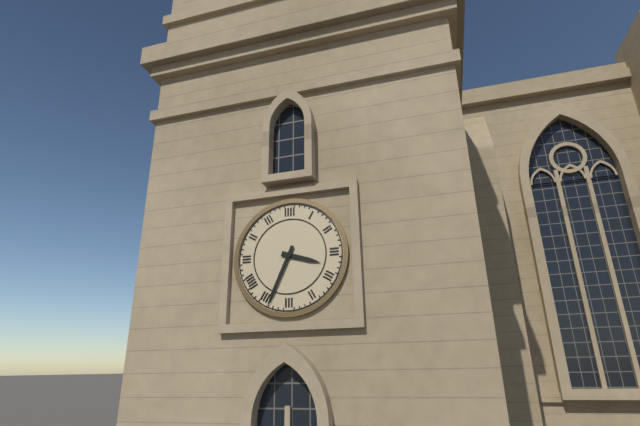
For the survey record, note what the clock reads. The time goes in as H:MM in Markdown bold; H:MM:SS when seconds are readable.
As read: **3:34**
